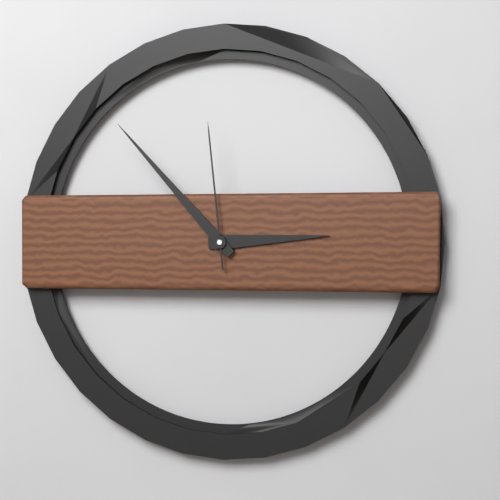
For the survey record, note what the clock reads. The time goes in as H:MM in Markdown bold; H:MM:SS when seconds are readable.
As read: **2:53:59**
